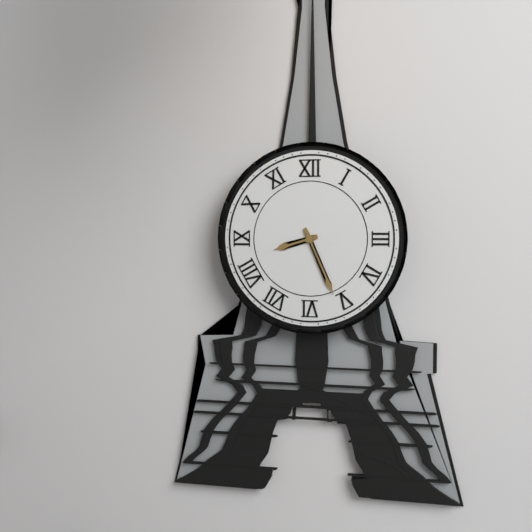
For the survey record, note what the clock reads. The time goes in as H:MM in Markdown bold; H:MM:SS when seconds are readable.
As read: **8:26**
